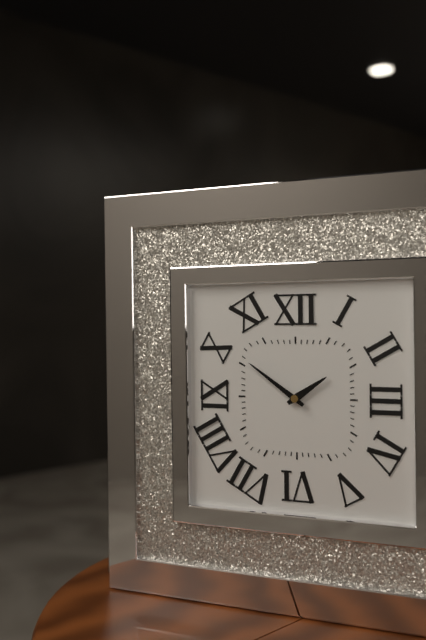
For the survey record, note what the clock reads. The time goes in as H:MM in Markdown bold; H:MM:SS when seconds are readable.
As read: **1:51**
